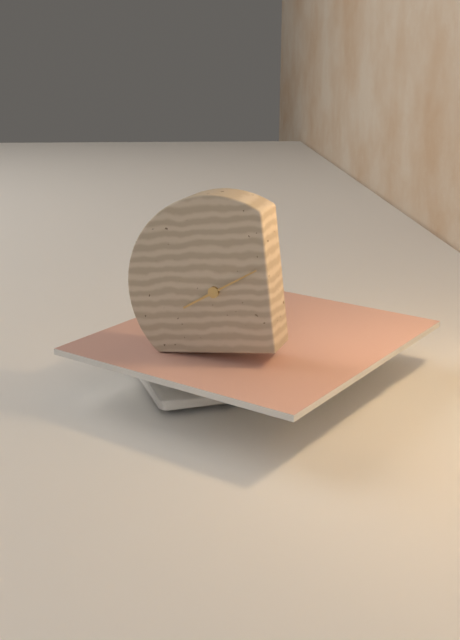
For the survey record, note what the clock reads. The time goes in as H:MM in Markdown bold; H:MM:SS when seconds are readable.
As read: **8:11**
